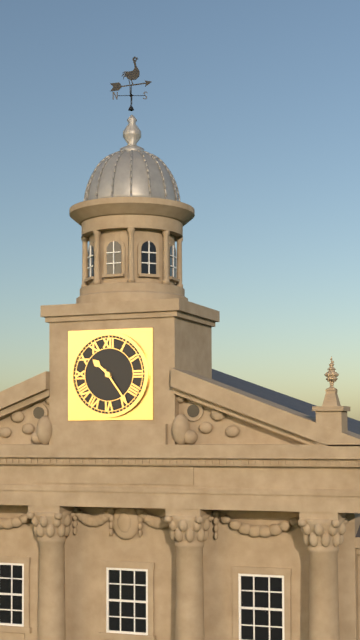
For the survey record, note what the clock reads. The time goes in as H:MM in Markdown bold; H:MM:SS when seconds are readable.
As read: **10:24**
